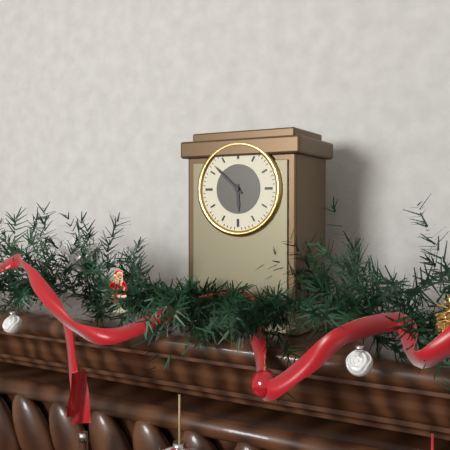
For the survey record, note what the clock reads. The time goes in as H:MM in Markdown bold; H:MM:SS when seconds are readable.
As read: **5:52**
